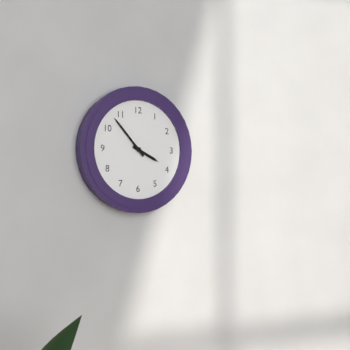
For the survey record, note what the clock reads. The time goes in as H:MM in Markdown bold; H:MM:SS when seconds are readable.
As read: **3:53**
